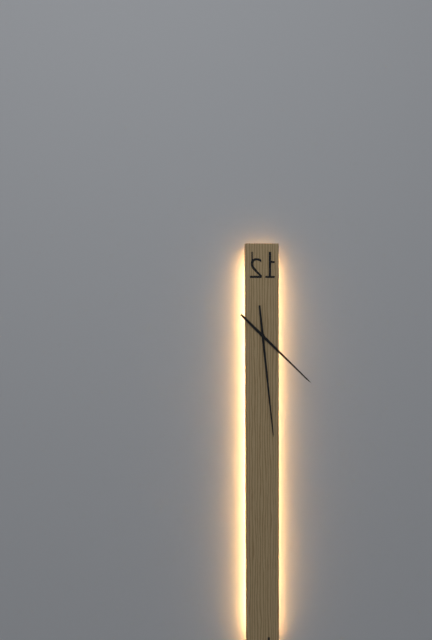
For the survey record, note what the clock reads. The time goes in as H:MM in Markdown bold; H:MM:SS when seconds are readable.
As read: **4:29**
